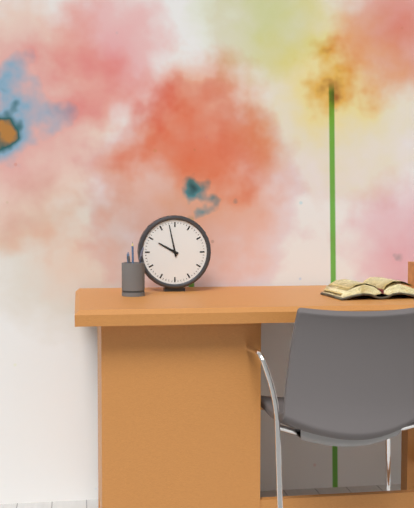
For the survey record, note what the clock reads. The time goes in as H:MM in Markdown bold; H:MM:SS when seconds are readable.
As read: **9:58**
